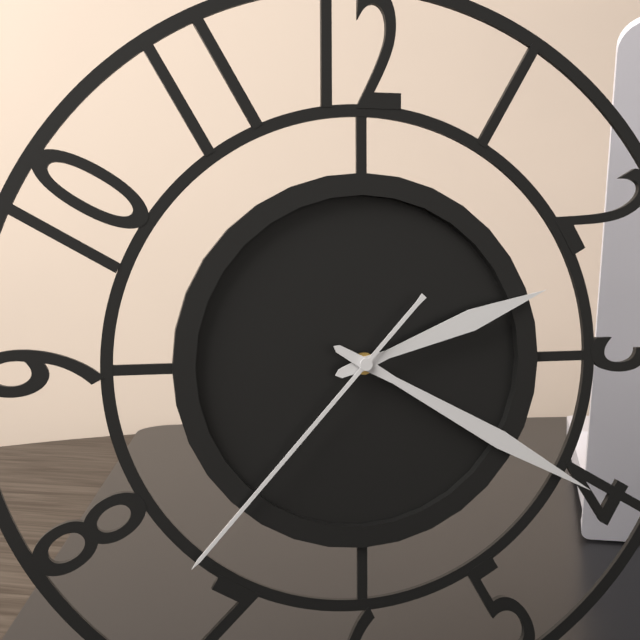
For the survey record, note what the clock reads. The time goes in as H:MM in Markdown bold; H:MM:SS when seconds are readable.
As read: **2:20:37**
